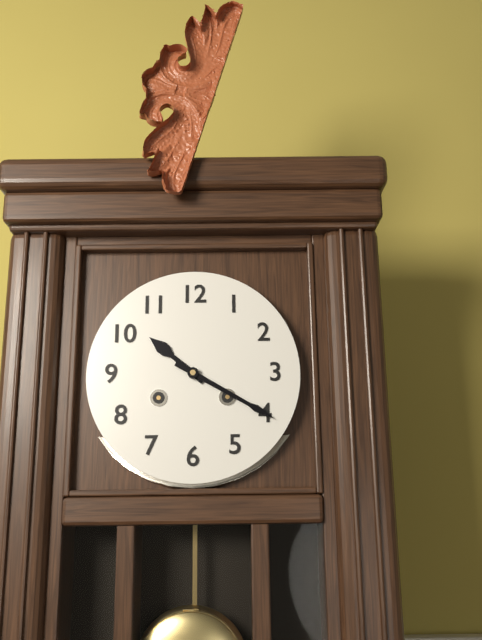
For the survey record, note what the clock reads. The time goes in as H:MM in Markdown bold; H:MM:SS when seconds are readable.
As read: **10:20**
